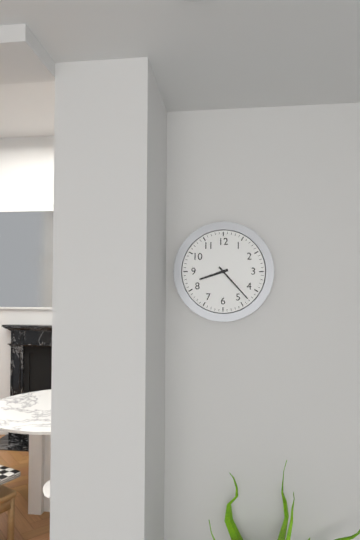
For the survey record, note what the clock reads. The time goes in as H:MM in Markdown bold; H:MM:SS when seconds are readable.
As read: **8:23**
